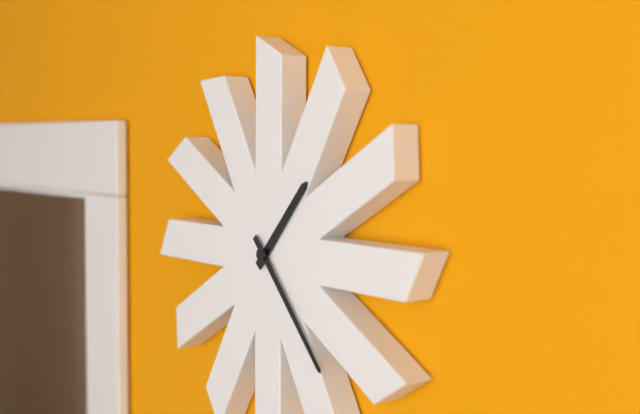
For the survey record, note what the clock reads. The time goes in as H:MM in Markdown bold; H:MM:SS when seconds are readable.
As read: **1:23**
